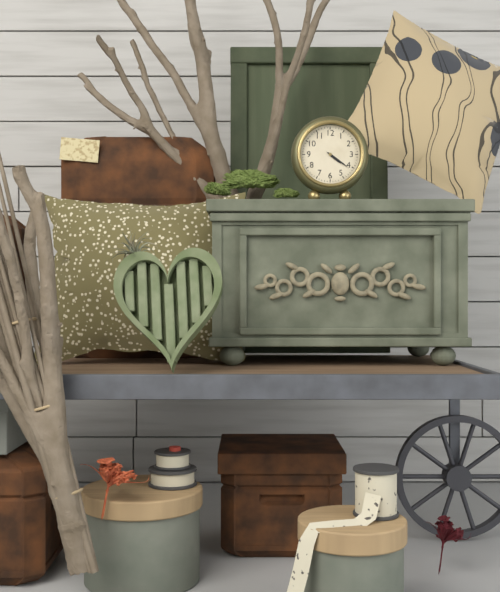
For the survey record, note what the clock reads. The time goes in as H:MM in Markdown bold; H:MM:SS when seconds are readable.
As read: **4:21**
